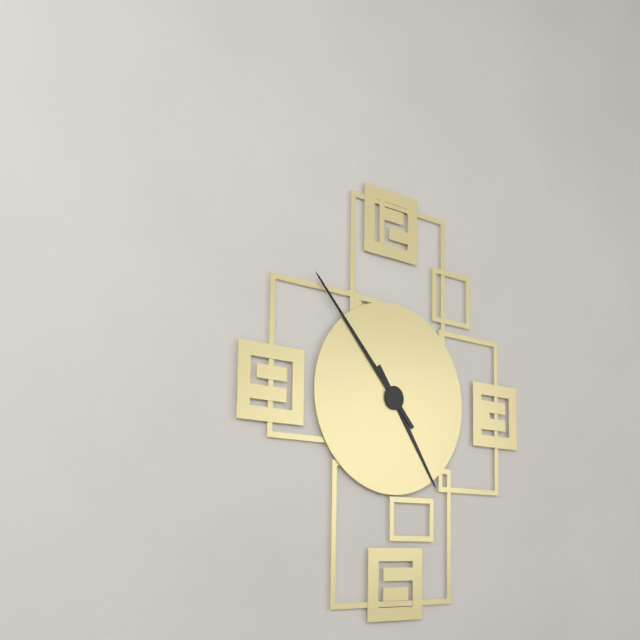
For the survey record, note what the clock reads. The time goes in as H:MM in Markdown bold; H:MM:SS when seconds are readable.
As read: **4:53**
